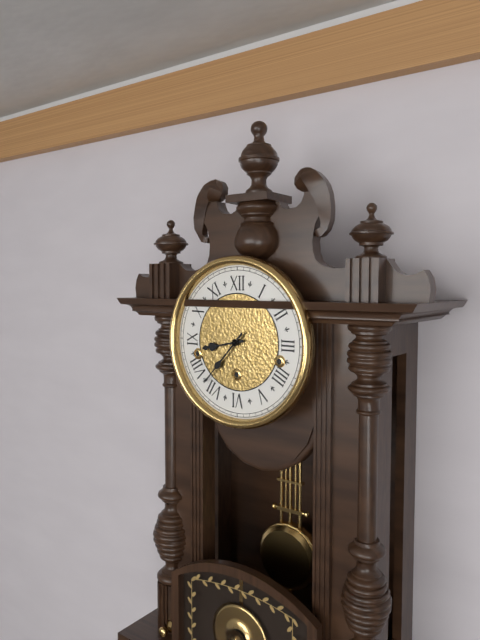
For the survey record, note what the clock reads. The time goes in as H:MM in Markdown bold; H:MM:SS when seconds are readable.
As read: **8:37**
